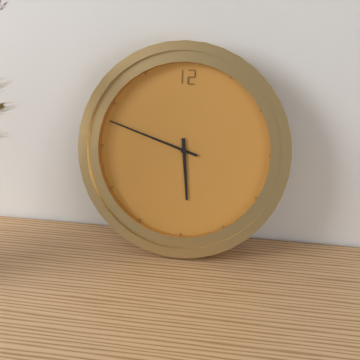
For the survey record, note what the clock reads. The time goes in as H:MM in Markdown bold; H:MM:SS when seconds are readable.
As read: **5:48**
